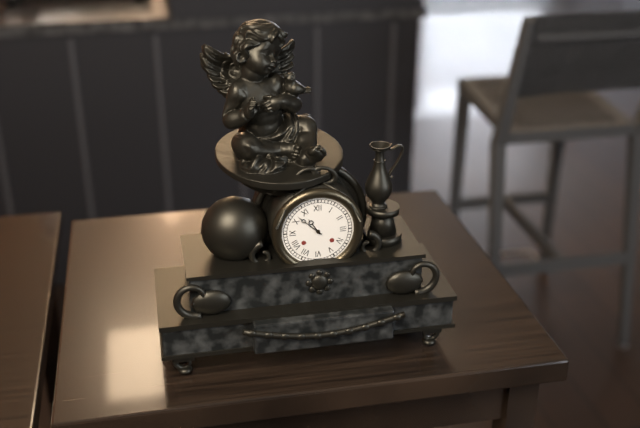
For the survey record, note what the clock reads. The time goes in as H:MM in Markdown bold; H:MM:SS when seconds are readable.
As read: **10:52**
